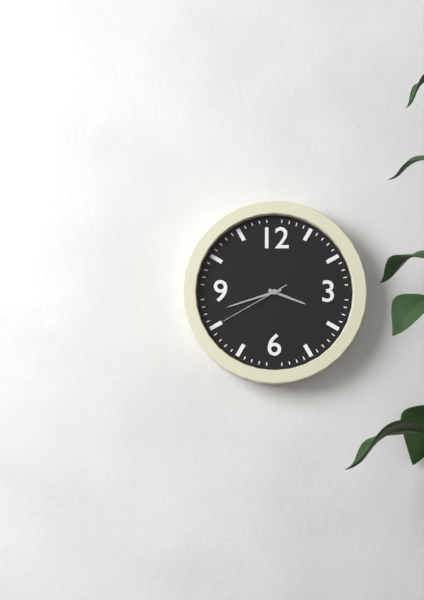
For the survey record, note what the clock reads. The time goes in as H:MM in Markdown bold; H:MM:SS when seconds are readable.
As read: **3:42:40**
